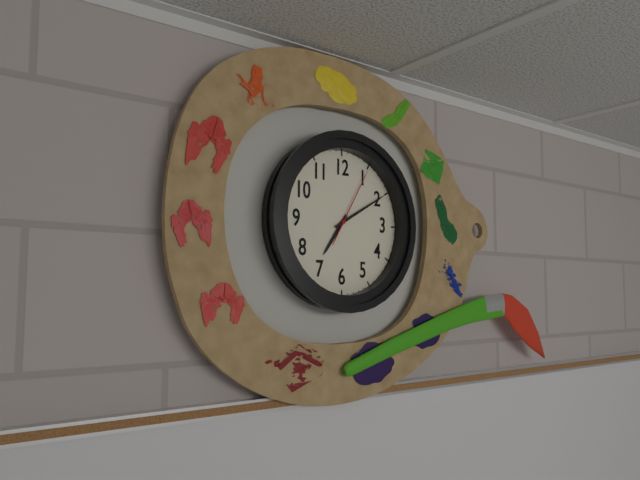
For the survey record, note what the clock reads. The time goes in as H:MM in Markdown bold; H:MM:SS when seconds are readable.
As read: **7:10:05**
